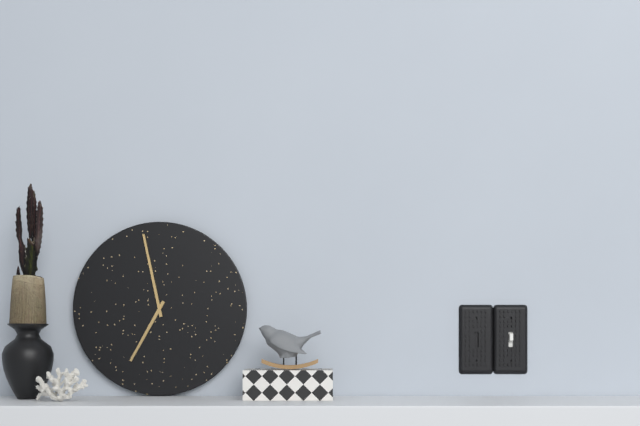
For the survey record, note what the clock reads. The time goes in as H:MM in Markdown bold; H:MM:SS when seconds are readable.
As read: **6:58**
